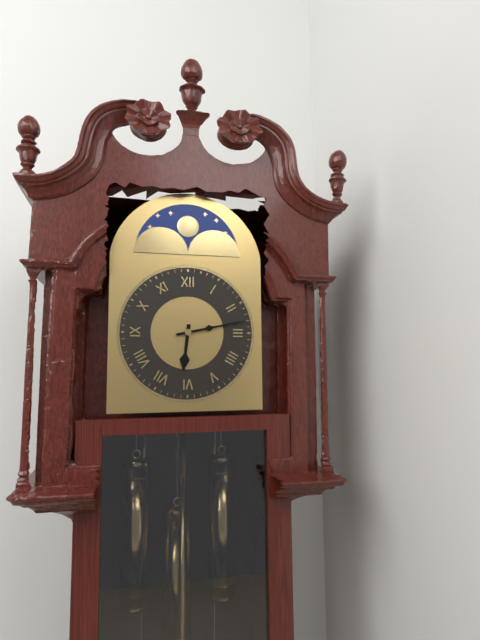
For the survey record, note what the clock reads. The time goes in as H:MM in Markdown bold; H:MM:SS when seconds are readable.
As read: **6:13**
